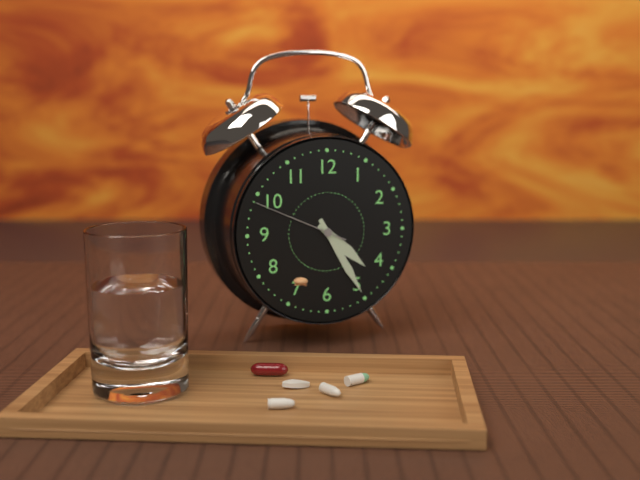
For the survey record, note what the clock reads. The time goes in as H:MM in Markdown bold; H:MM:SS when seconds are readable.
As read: **4:25:49**
